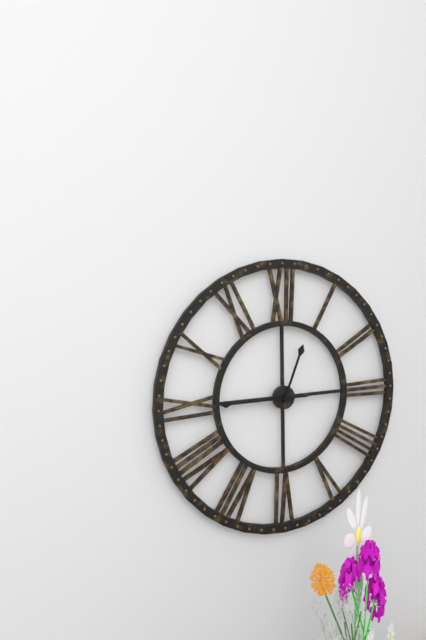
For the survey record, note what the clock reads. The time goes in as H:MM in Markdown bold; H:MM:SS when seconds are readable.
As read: **12:45**
